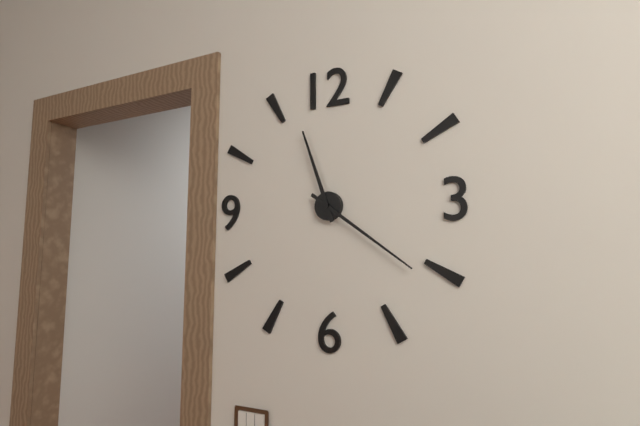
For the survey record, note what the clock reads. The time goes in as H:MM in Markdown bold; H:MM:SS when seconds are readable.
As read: **11:21**
